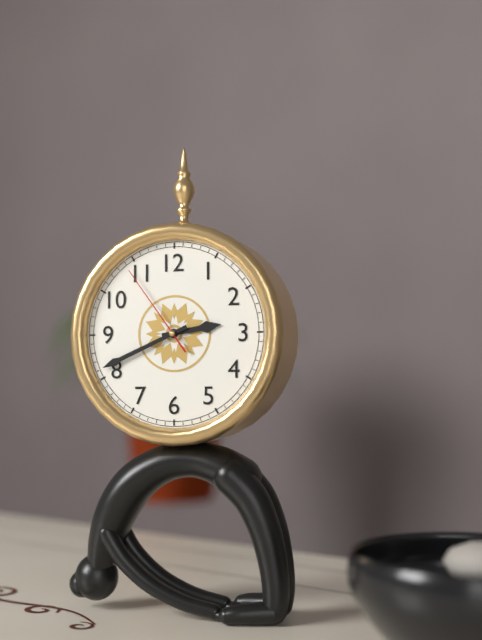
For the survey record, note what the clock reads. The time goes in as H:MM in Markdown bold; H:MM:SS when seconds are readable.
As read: **2:41:54**
